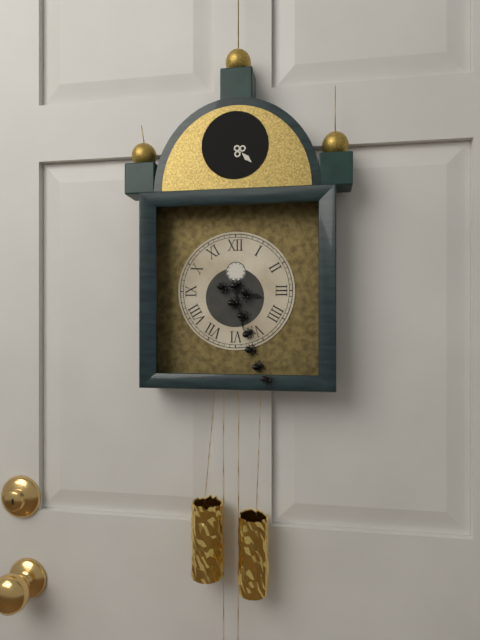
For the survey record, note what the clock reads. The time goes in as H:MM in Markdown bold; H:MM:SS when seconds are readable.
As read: **3:28**
